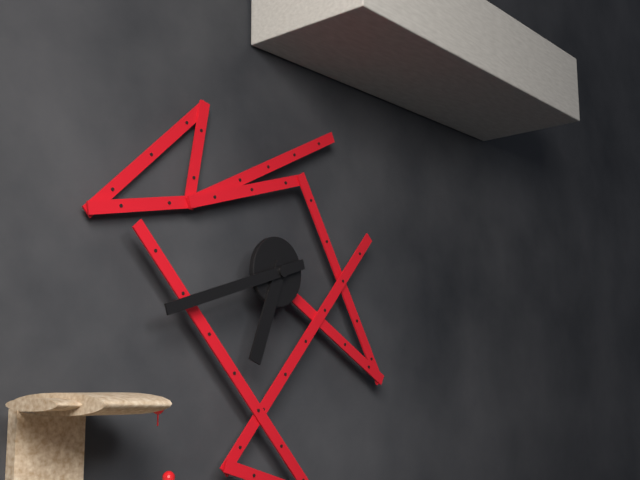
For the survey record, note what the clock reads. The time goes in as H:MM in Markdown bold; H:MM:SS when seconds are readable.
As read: **6:42**
